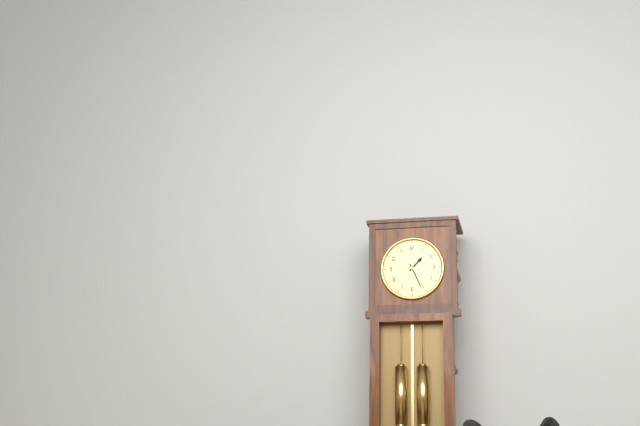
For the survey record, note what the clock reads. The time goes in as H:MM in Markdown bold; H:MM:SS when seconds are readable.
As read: **1:26**
